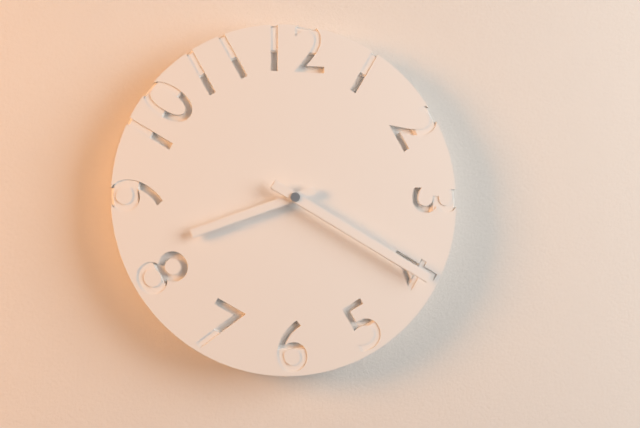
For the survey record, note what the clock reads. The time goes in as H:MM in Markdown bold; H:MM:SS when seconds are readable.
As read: **8:20**
